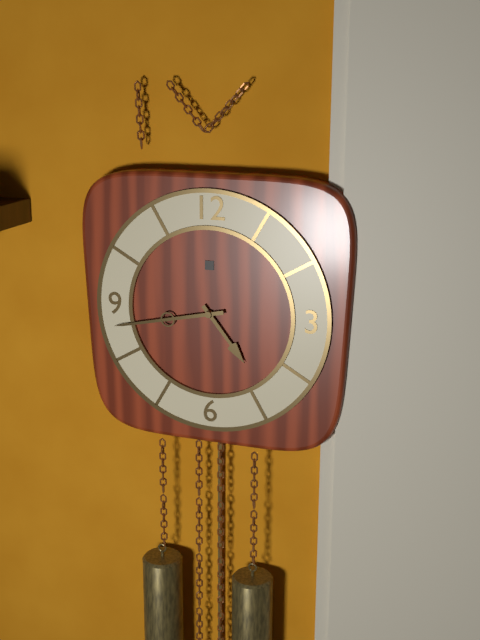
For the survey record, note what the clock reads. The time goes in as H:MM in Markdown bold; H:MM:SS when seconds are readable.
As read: **4:43**
